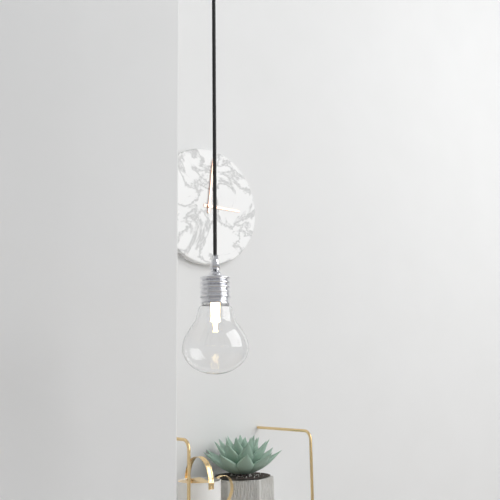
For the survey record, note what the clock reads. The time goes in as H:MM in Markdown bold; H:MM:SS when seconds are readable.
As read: **3:01**
